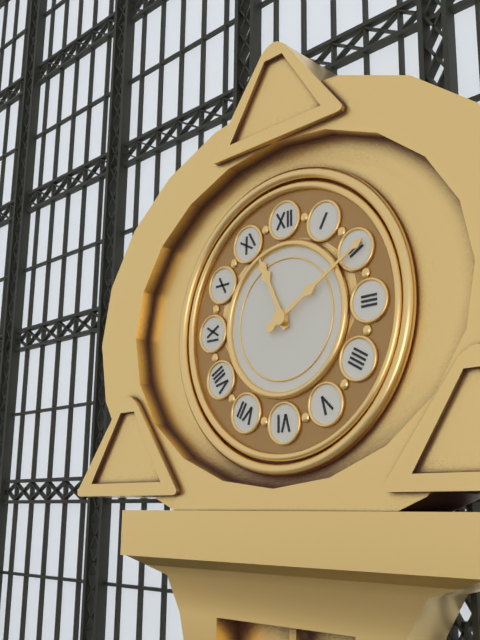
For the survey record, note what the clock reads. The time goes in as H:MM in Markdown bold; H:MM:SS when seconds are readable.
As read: **11:10**
